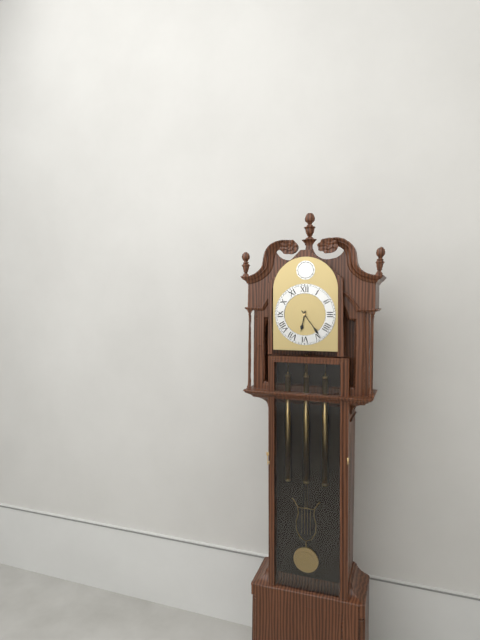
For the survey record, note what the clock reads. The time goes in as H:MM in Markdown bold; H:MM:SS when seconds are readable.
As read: **6:24**
